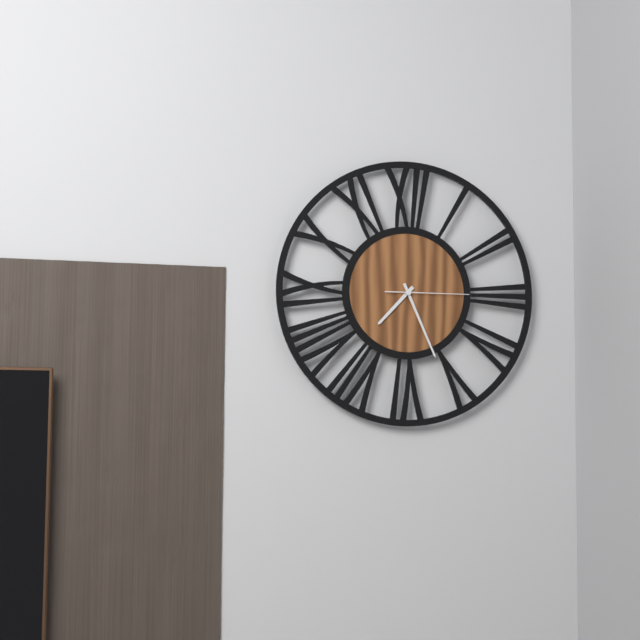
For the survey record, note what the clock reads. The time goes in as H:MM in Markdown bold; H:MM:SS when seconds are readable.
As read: **7:26:15**
